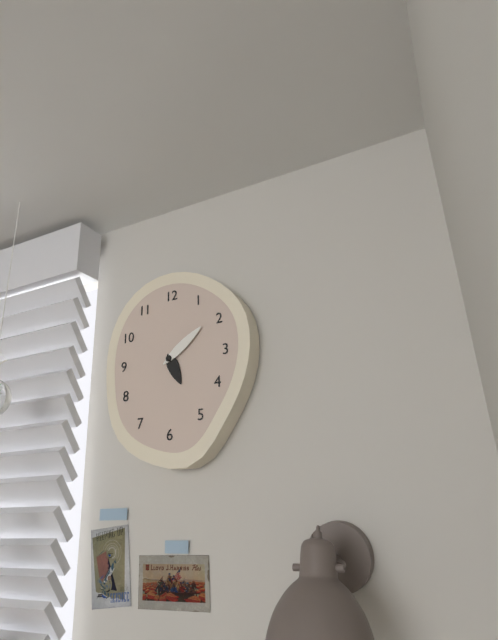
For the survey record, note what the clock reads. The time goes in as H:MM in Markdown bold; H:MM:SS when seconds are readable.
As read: **5:09**
